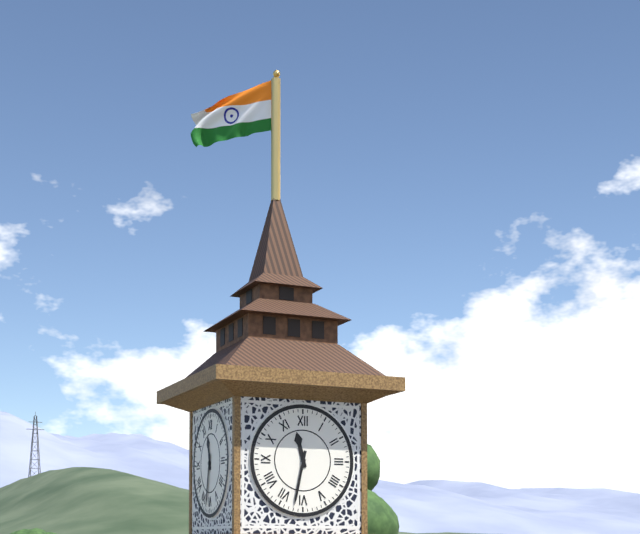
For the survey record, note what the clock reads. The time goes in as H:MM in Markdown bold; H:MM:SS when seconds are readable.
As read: **11:32**
